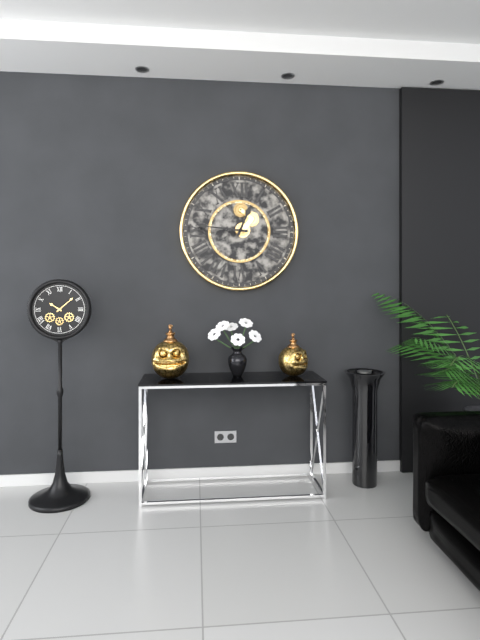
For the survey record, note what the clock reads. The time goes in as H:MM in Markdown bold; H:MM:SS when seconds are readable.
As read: **12:46**
